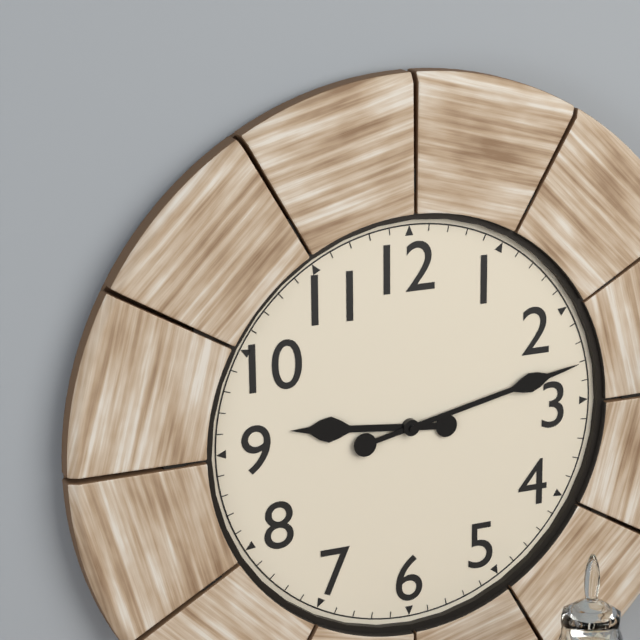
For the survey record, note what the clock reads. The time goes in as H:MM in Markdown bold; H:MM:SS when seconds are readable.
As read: **9:13**
